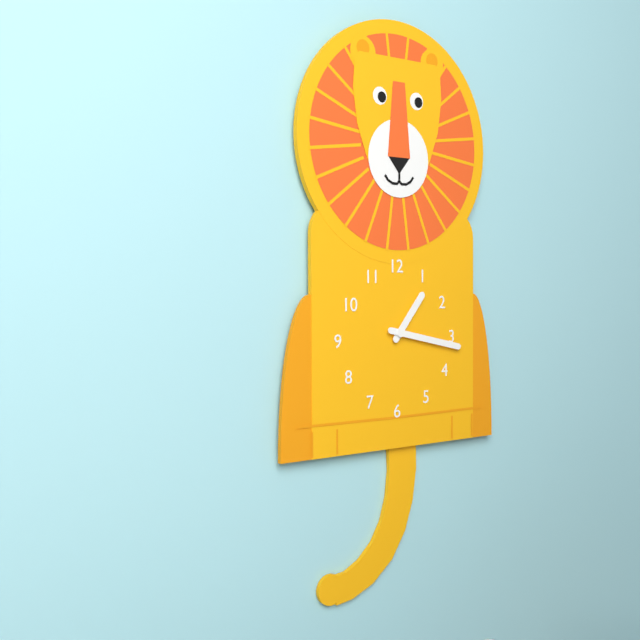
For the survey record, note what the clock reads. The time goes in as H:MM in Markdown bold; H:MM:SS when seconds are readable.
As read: **1:17**
